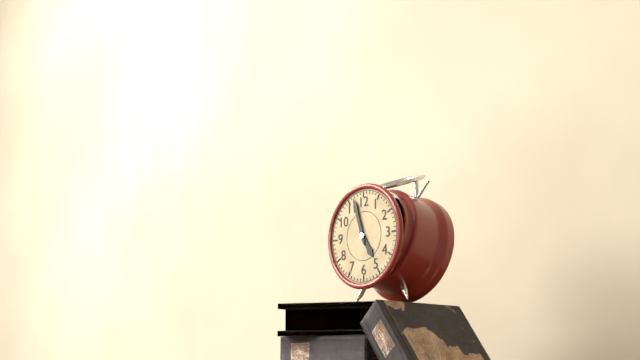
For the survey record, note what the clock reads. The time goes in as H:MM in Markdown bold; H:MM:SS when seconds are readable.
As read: **4:57**
